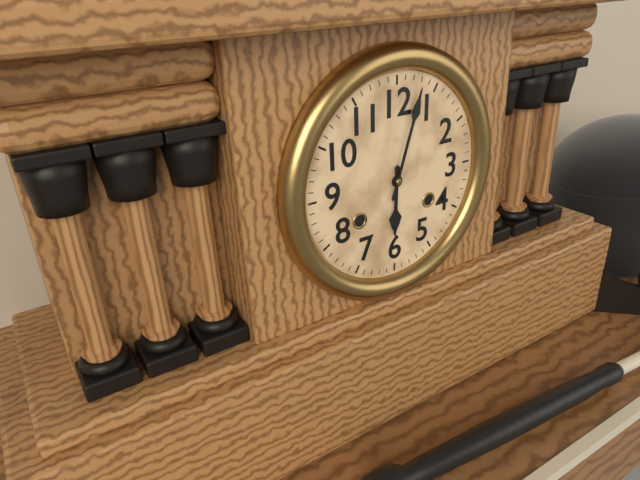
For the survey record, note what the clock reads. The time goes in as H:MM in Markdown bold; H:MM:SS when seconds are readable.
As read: **6:03**
